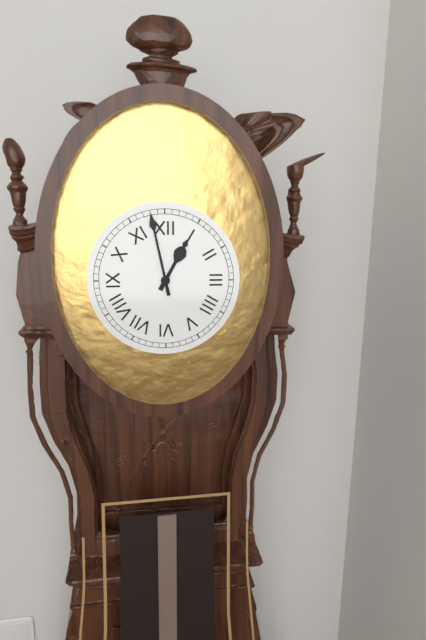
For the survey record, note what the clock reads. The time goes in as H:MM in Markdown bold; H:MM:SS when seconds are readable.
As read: **12:58**
